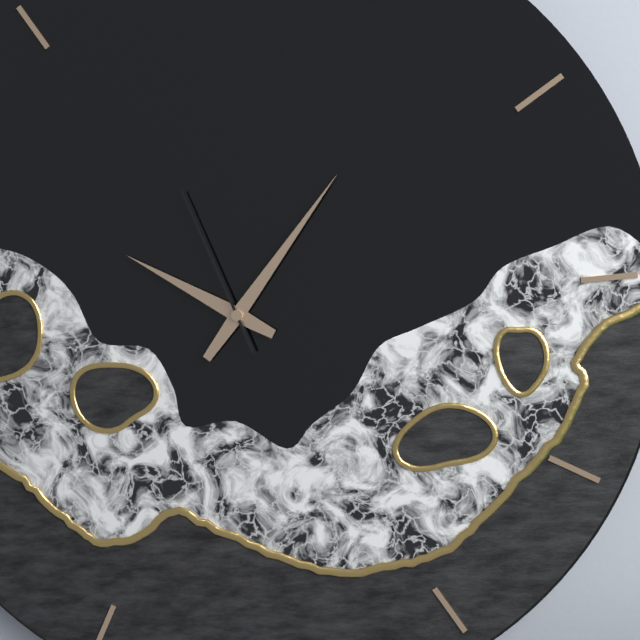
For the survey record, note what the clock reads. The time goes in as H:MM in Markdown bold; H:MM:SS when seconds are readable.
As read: **10:07:57**
